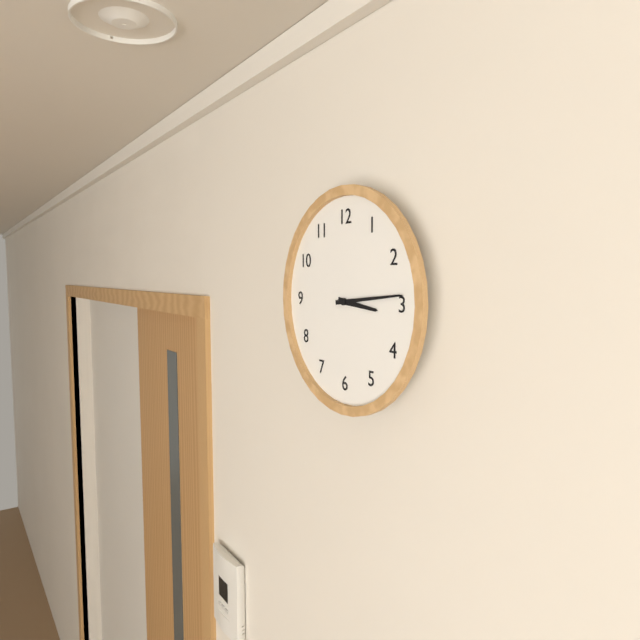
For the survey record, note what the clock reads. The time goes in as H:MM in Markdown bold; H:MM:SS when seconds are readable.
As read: **3:14**
